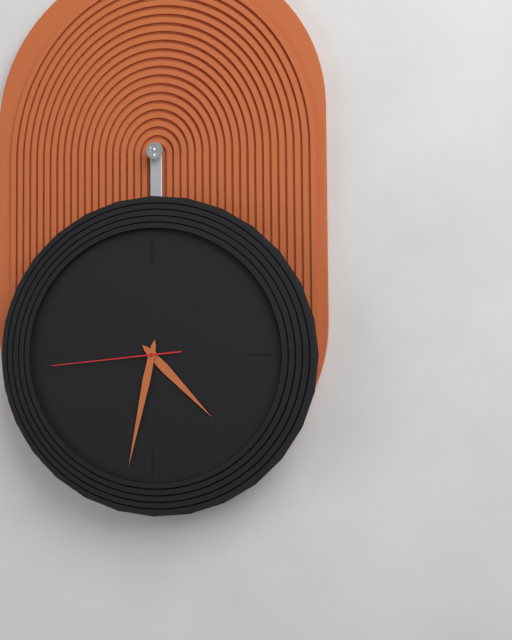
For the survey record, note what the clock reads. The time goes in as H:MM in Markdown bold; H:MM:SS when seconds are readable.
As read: **4:32:44**
